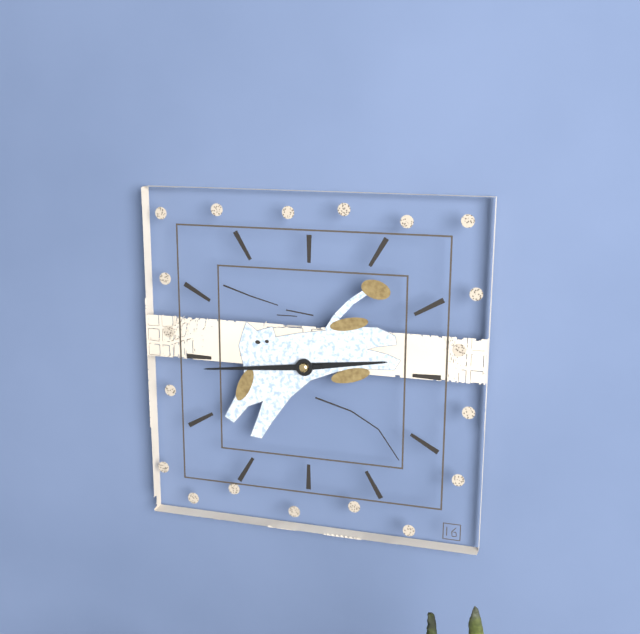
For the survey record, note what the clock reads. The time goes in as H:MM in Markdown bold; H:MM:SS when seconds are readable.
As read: **2:44**
